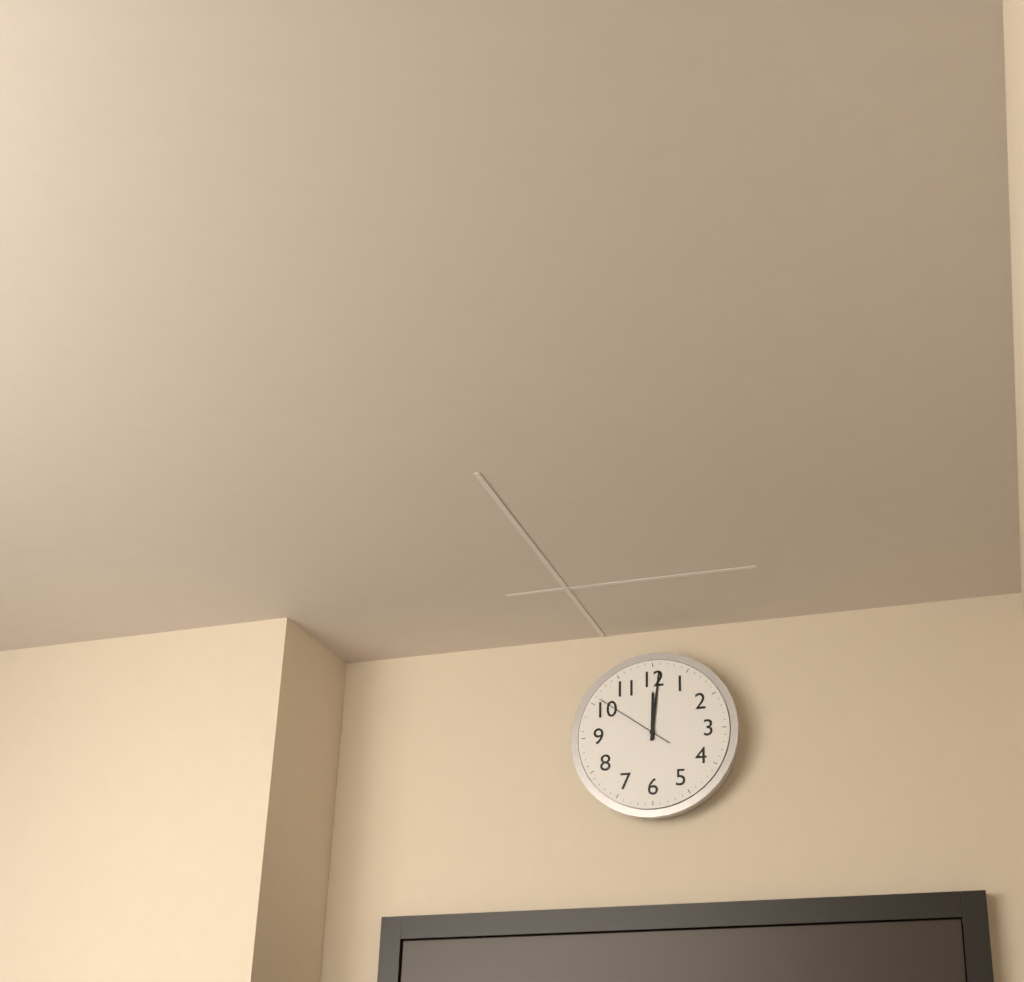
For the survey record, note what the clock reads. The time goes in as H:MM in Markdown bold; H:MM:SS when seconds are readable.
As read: **12:01:51**
